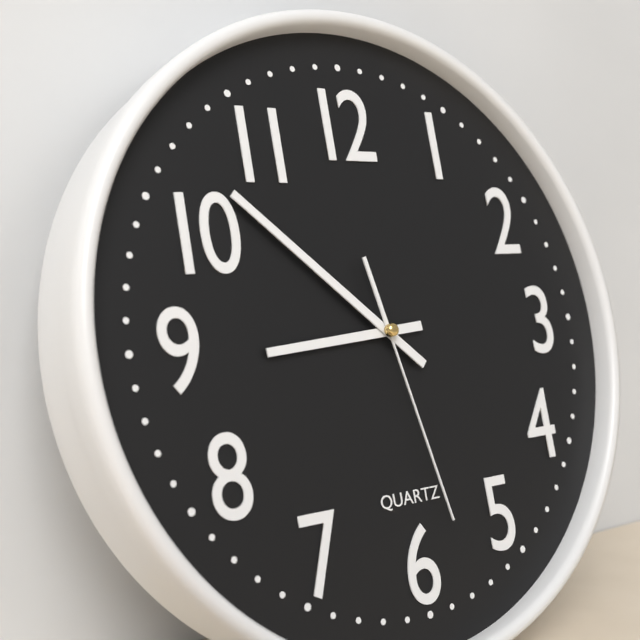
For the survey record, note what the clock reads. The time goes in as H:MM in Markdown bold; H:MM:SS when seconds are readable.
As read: **8:52:28**
